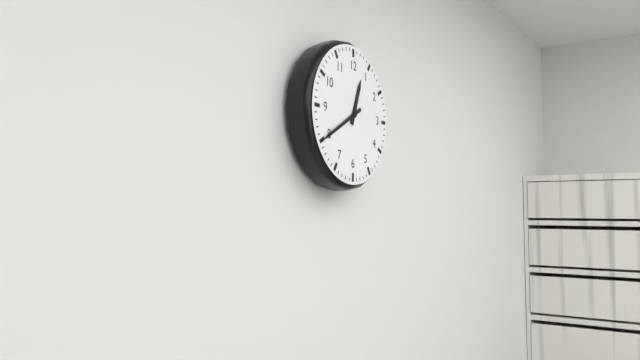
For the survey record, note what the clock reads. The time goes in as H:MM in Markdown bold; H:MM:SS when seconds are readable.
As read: **12:40**
